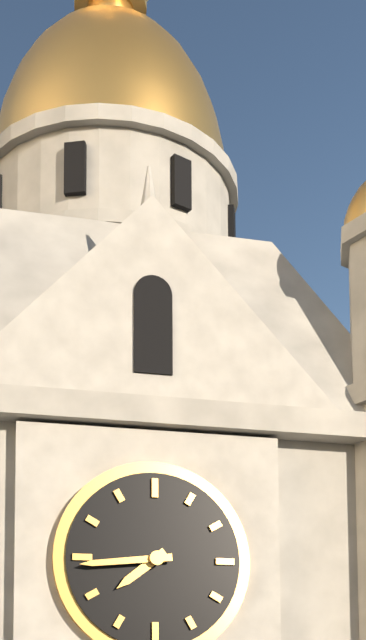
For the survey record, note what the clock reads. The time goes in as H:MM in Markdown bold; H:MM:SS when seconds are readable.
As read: **7:44**
